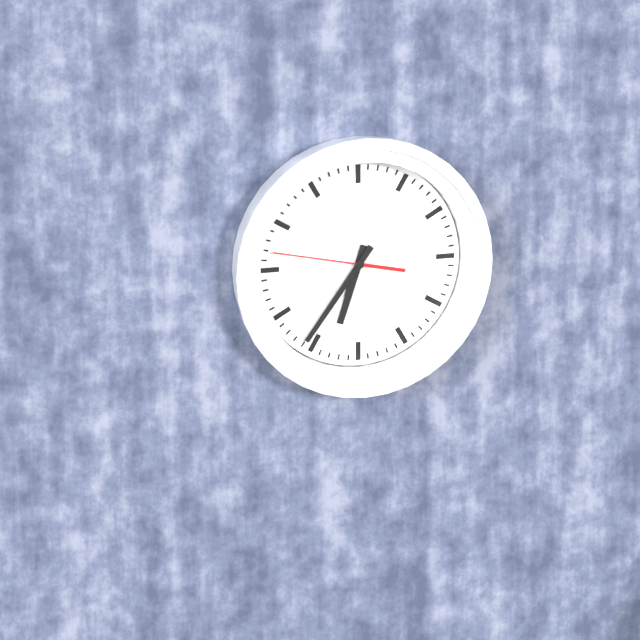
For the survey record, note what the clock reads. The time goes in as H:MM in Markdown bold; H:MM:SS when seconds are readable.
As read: **6:36:47**
